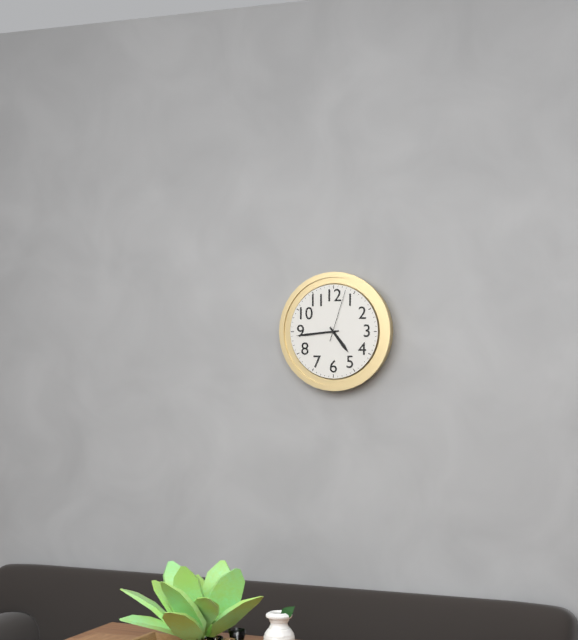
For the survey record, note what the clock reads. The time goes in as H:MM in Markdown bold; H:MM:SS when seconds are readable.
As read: **4:44:03**
